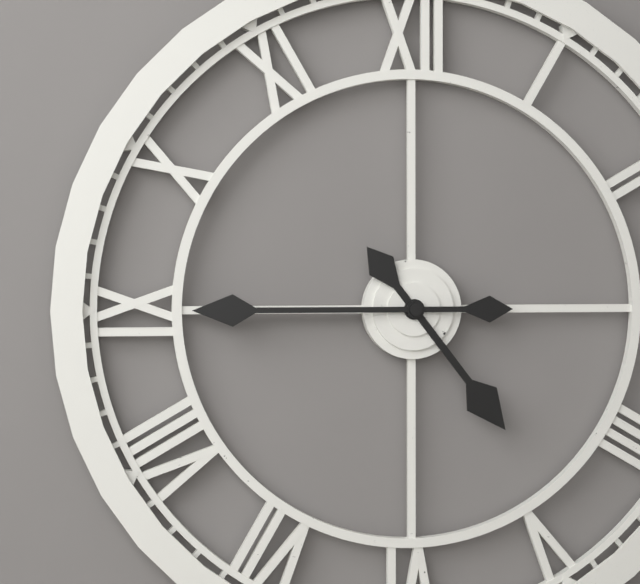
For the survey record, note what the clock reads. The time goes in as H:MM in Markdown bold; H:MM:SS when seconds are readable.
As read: **4:45**
